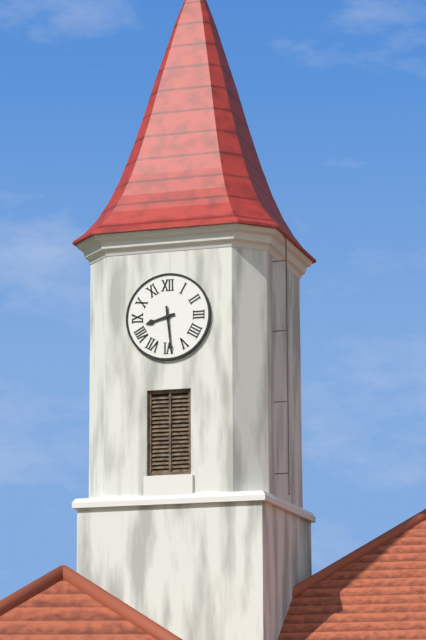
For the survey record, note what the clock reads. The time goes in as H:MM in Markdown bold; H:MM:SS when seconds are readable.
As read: **8:29**
